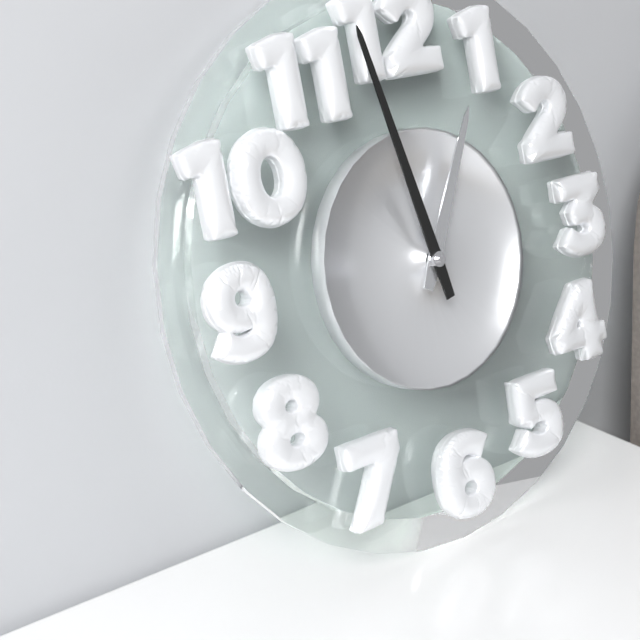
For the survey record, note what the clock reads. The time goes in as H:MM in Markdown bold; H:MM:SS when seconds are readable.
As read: **12:58**
